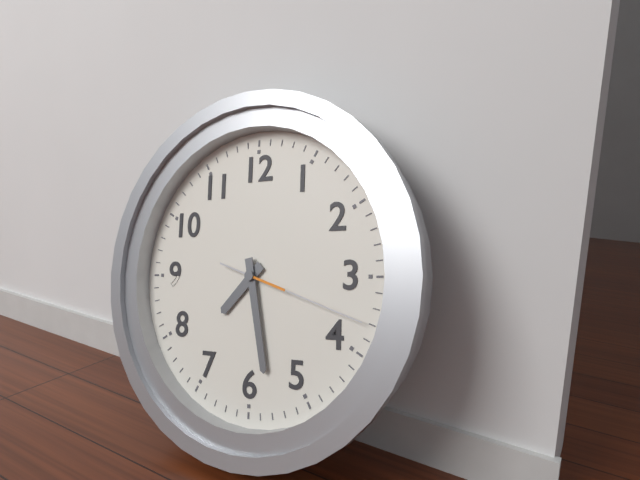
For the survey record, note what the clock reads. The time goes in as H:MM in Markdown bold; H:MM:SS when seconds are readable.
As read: **7:28:18**
